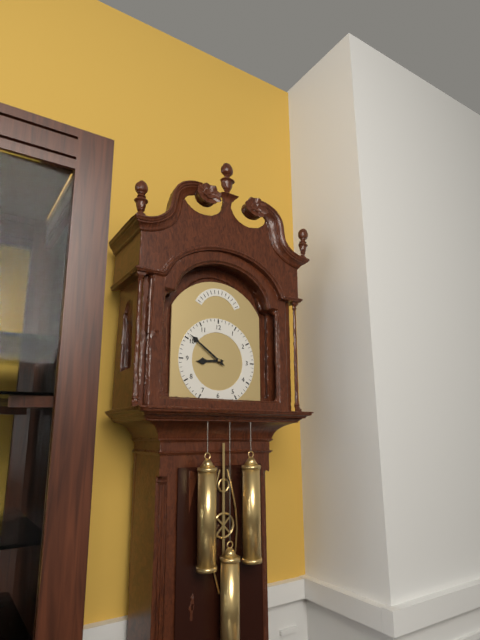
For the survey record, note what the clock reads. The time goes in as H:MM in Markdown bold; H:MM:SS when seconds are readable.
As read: **8:51**
